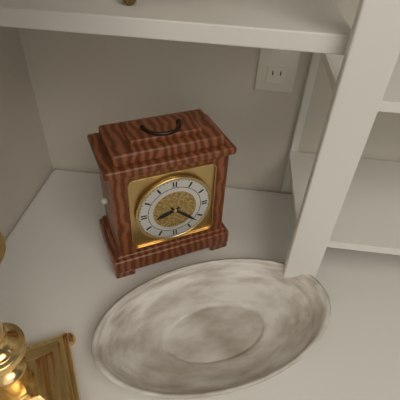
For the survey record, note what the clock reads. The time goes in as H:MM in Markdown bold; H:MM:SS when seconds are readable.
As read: **8:22**
